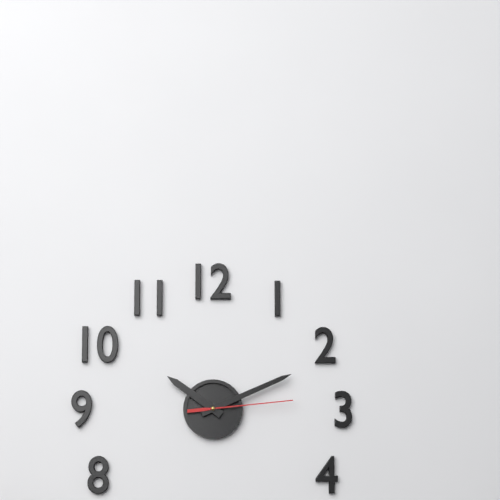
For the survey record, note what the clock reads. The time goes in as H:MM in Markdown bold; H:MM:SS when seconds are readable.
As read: **10:11:14**
